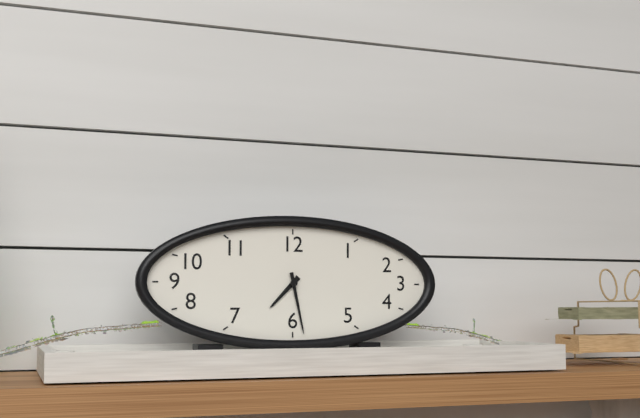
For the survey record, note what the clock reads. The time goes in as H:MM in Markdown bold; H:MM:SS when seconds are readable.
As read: **7:28**
